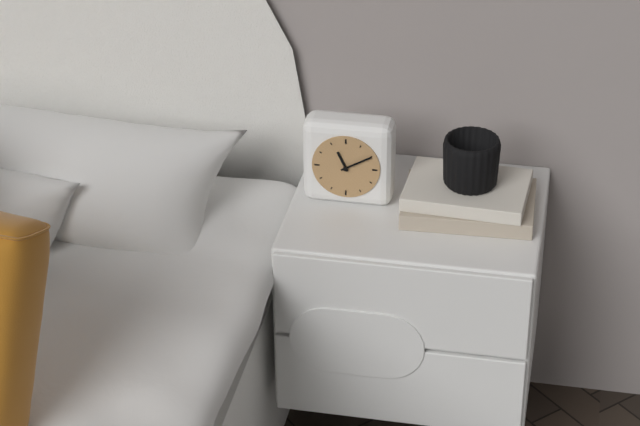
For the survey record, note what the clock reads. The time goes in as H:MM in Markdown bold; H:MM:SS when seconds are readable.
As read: **11:10**
